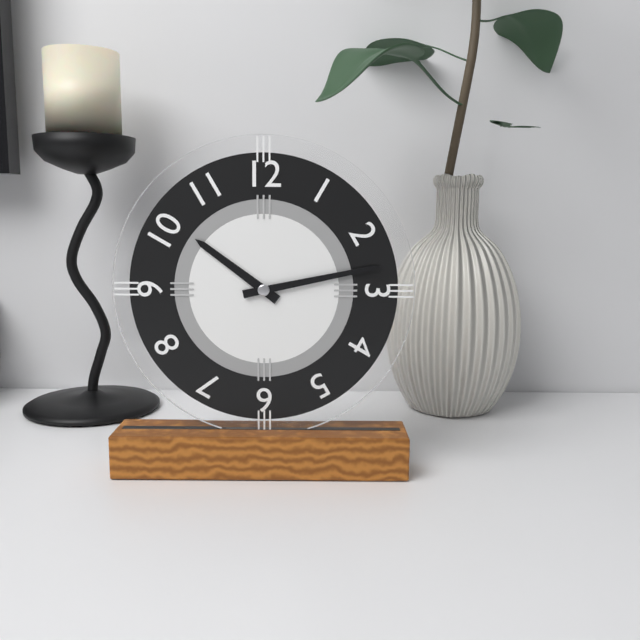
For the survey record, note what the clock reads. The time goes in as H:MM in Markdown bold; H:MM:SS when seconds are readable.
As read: **10:13**
